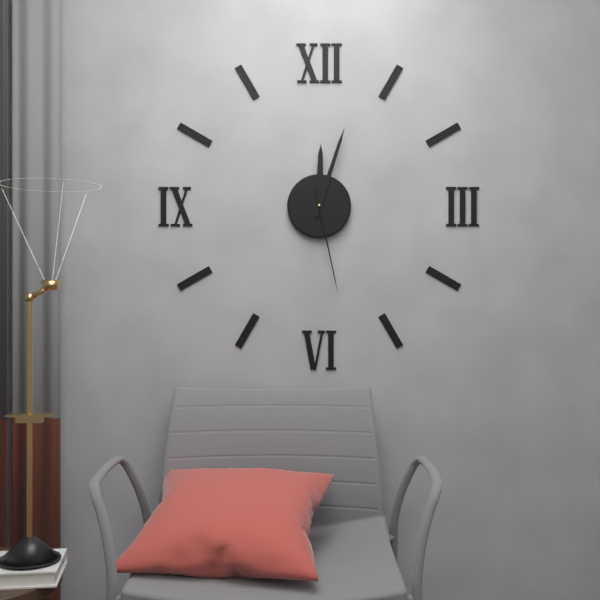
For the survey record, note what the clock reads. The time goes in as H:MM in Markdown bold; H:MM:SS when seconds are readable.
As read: **12:03:28**
